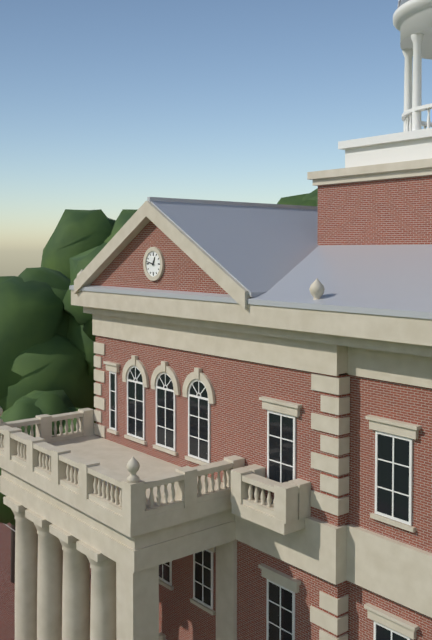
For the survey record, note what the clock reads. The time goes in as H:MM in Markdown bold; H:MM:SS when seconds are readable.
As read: **12:47**
